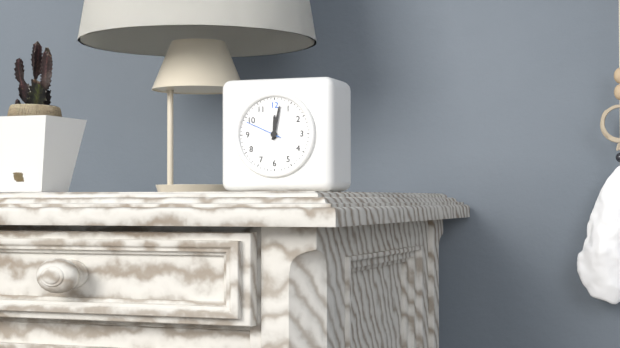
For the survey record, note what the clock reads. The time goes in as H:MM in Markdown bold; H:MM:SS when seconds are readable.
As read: **12:02**
